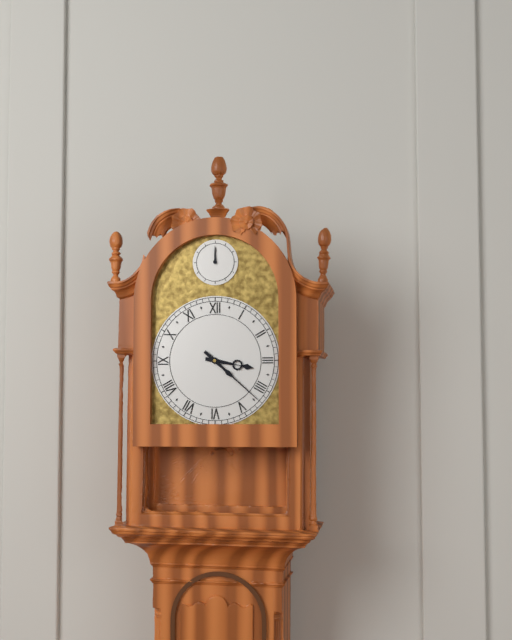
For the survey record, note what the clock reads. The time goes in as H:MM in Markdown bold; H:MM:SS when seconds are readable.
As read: **3:22**
